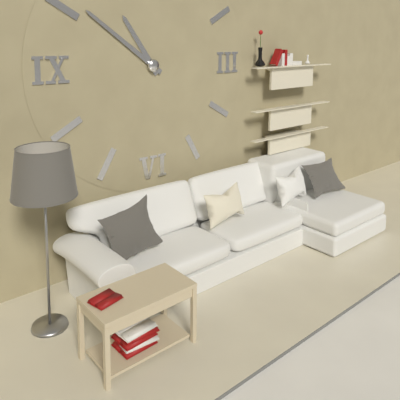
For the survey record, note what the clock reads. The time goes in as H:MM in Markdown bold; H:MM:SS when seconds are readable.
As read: **10:51**
